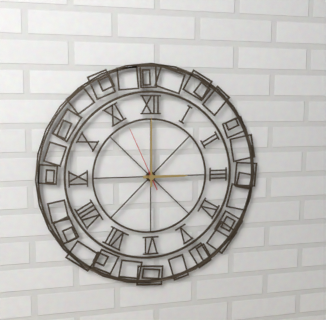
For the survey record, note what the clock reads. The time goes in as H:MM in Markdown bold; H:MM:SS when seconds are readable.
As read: **3:00:56**
